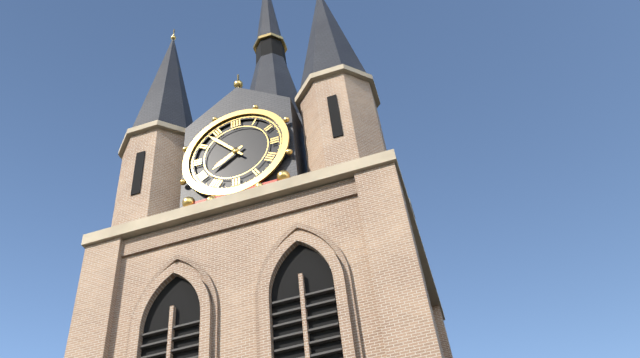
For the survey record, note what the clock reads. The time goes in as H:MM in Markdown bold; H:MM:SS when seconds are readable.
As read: **7:53**
